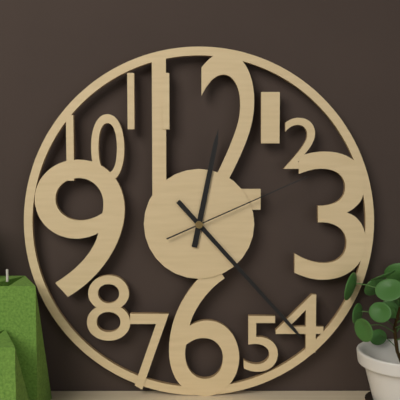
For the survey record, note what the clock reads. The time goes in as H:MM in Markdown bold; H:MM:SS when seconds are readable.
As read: **12:23:11**
